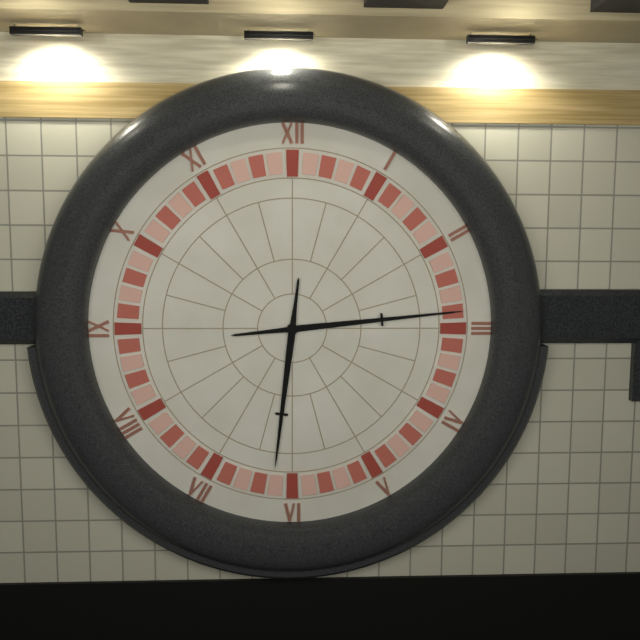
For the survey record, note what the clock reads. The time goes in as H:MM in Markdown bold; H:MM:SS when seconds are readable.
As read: **6:14**
